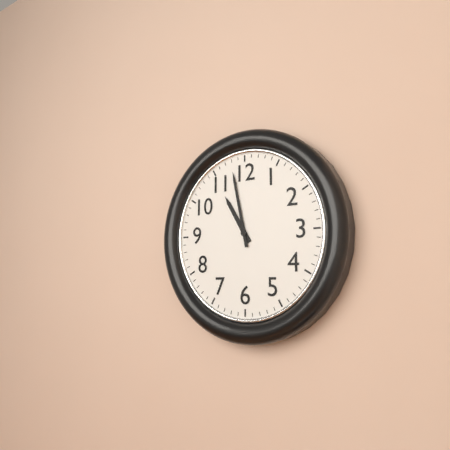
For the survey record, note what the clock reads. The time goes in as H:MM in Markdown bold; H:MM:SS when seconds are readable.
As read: **10:58**
